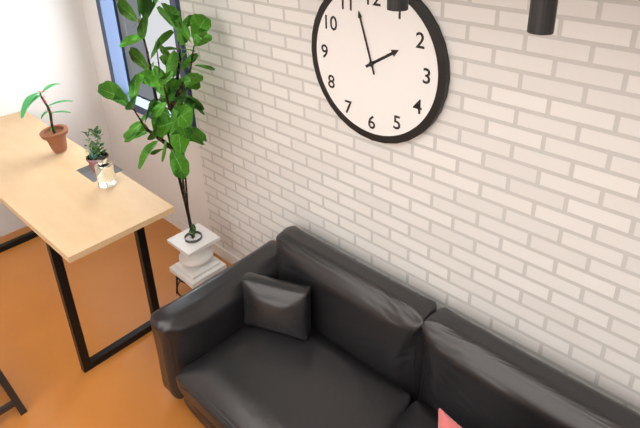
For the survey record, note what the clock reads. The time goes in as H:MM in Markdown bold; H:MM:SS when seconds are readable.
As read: **1:57**
